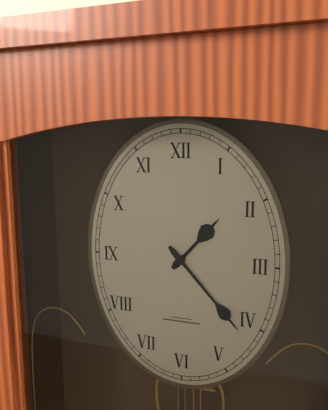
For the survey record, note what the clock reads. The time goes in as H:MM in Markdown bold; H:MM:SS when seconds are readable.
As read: **1:23**
